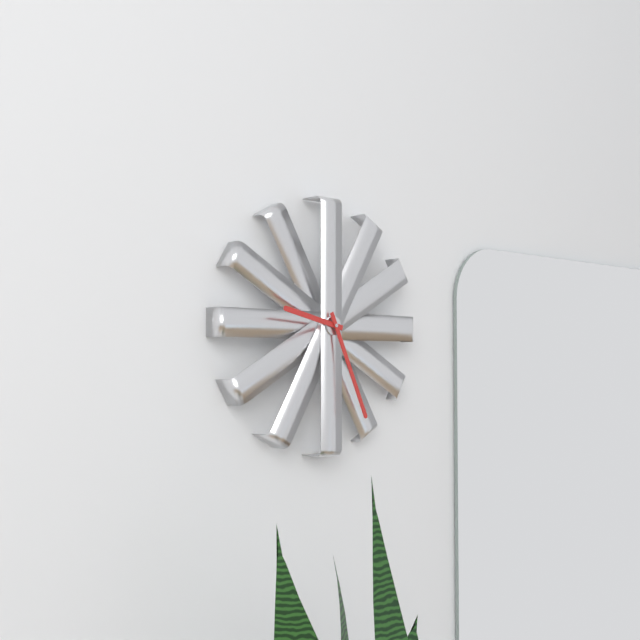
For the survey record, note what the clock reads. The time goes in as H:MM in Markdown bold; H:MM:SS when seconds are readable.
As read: **9:26**
